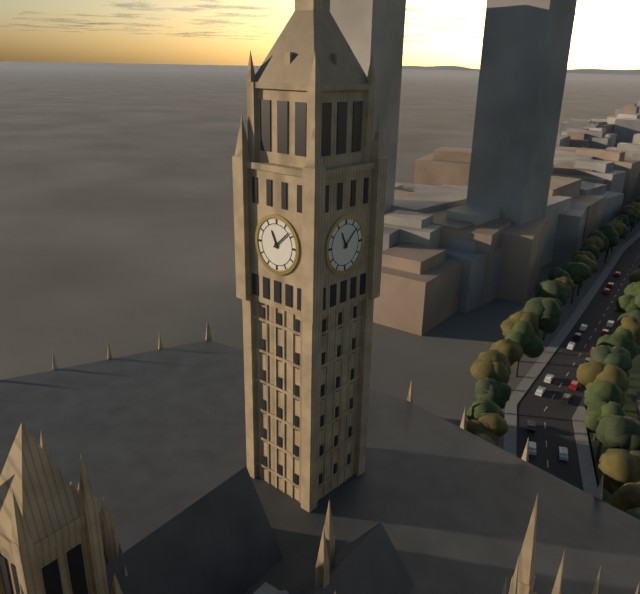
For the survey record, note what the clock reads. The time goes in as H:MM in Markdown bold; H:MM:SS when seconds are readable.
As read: **11:08**
